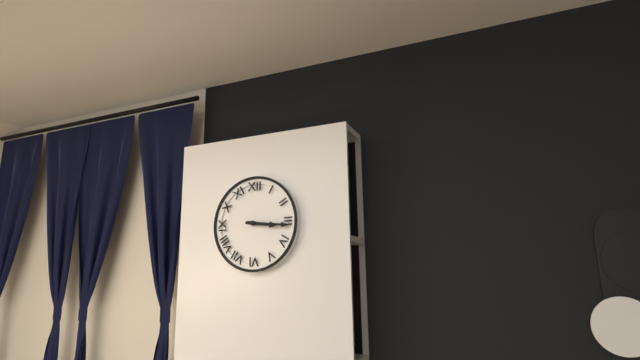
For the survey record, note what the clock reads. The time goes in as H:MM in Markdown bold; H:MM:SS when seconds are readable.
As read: **3:16**
